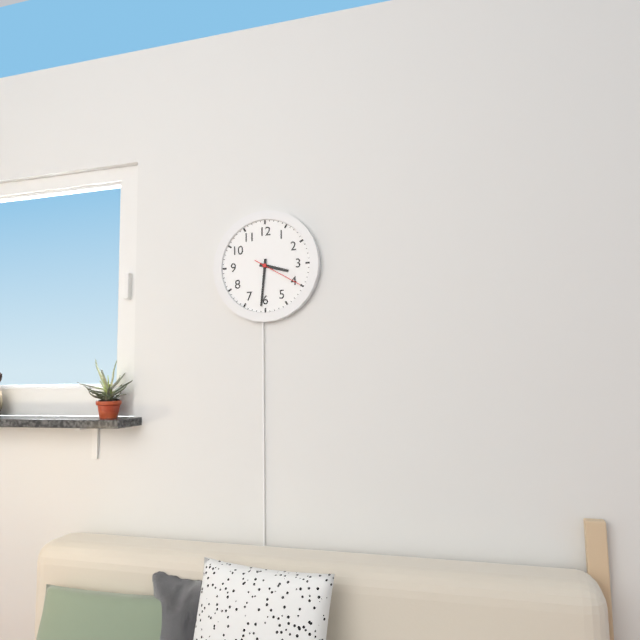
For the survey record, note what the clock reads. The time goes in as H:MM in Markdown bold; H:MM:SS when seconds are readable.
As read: **3:31:20**
